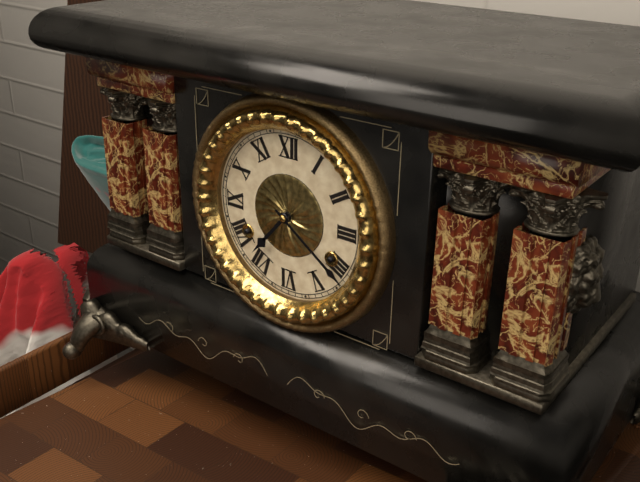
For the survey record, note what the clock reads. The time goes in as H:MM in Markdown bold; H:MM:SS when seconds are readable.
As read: **7:21**
